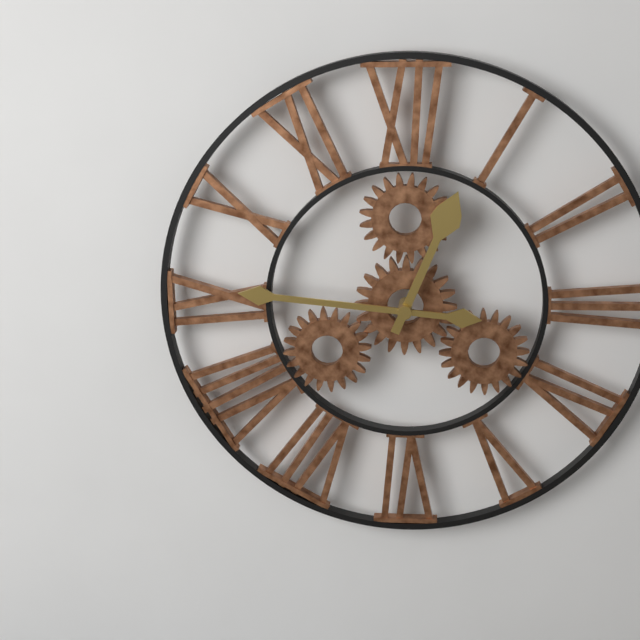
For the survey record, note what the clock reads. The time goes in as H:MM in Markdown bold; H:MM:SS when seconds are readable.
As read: **12:46**
